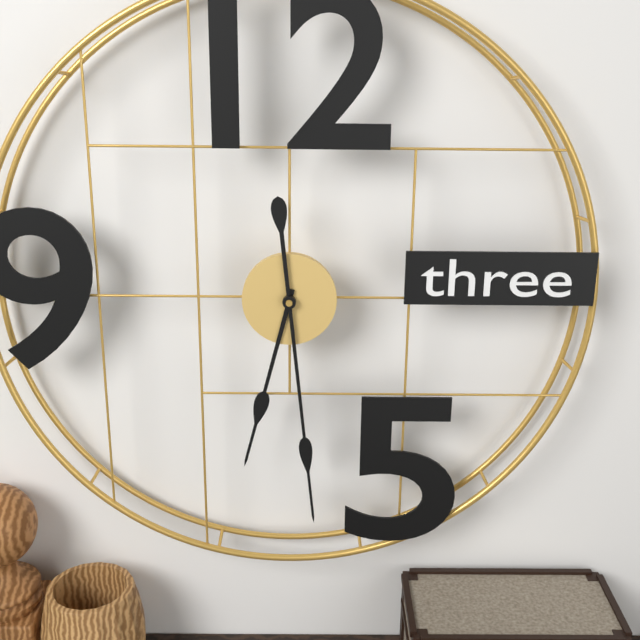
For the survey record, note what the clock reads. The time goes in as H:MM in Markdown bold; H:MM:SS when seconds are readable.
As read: **6:29**
